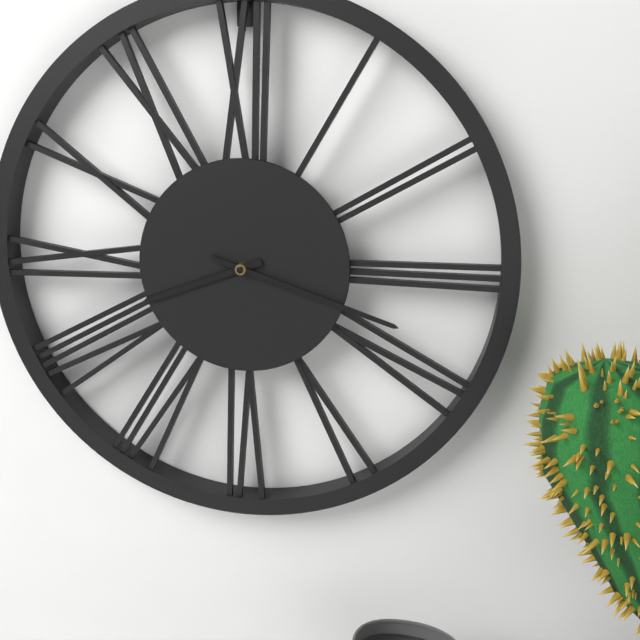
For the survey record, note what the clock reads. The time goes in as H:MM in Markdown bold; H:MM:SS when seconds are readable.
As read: **8:18**
